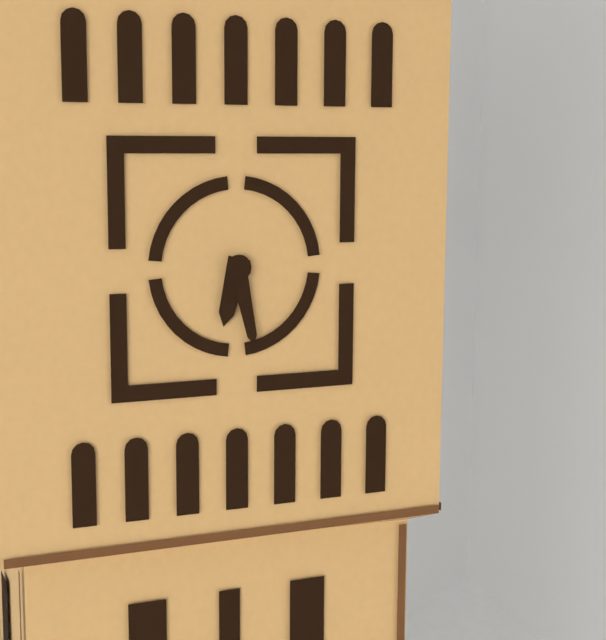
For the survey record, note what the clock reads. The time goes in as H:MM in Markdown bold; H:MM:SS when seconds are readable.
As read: **6:28**
